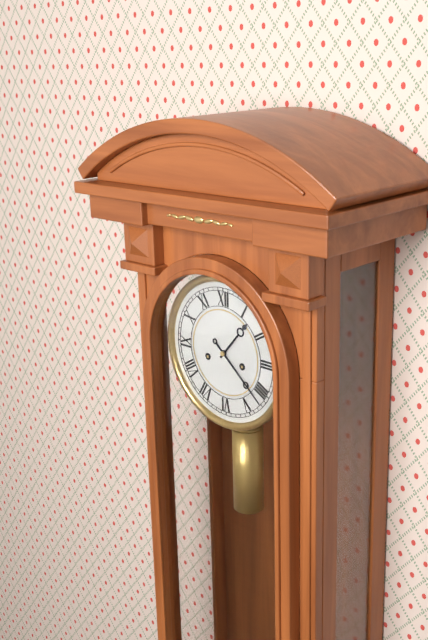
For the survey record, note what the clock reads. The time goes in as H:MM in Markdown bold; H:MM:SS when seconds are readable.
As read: **1:22**
